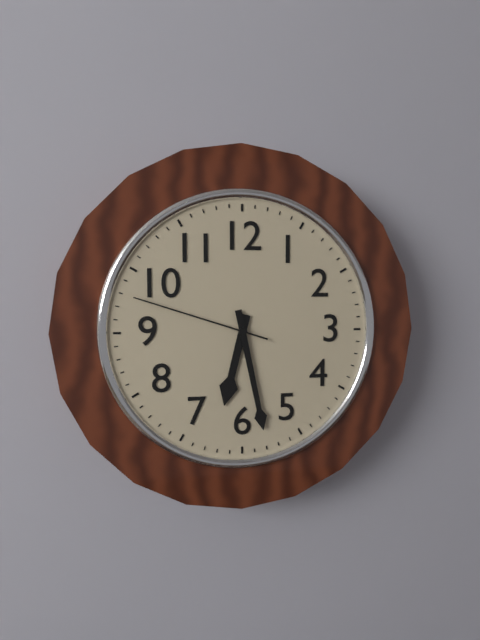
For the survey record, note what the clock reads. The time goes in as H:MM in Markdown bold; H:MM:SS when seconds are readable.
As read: **6:28:48**
